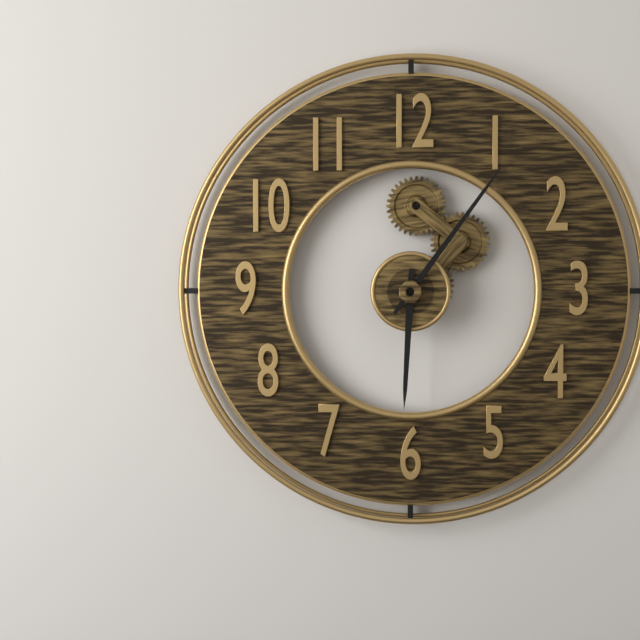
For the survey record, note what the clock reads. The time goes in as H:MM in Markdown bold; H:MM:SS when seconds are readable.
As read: **6:06**
